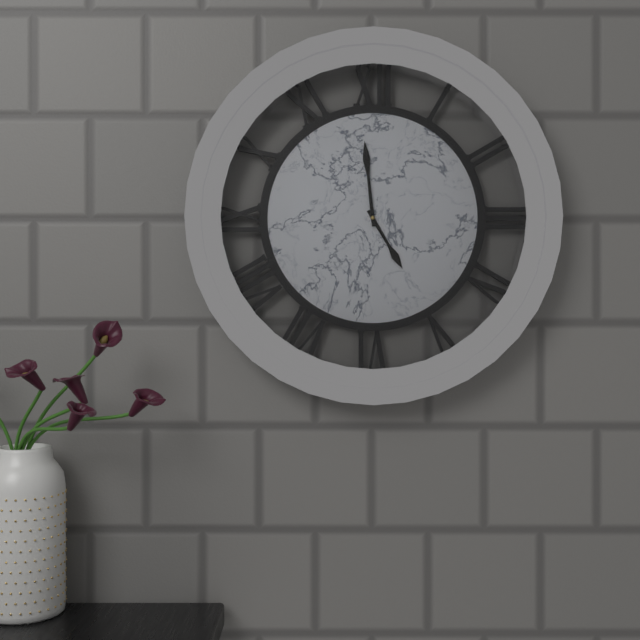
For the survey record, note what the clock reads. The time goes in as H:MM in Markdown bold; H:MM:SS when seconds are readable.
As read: **4:59**
